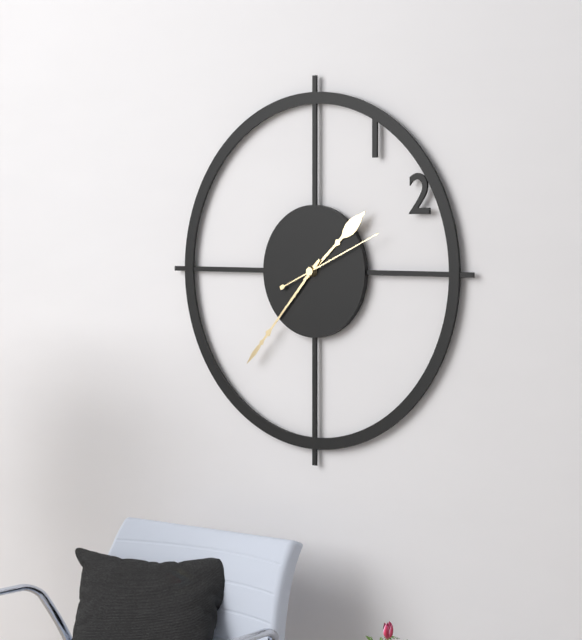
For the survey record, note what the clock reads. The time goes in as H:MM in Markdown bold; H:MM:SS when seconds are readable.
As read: **1:37:11**
